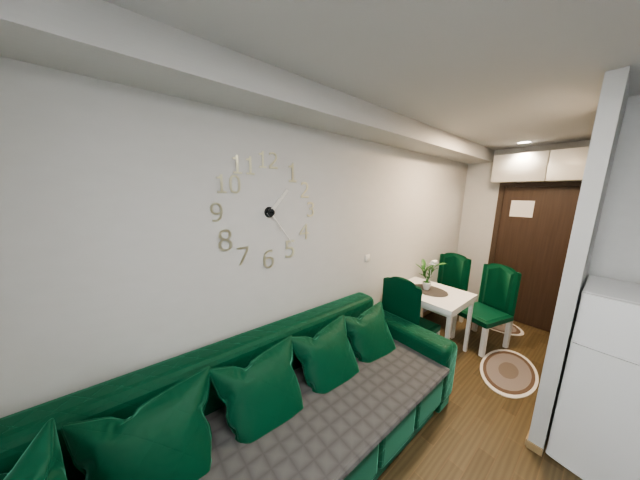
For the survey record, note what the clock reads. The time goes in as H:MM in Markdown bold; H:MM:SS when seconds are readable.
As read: **1:24**
